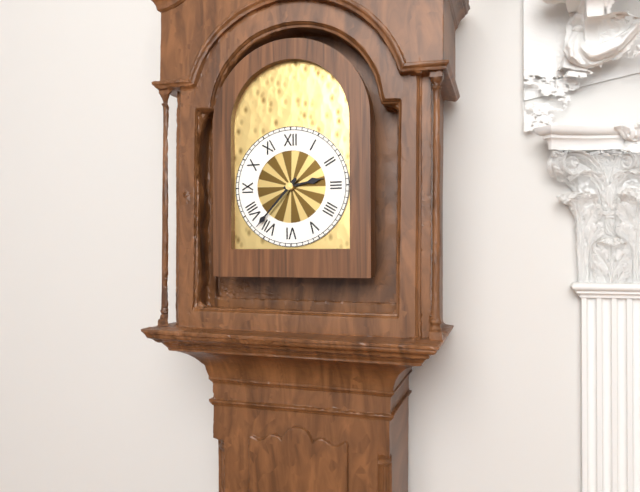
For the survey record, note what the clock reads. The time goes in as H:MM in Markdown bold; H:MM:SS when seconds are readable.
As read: **2:37**
